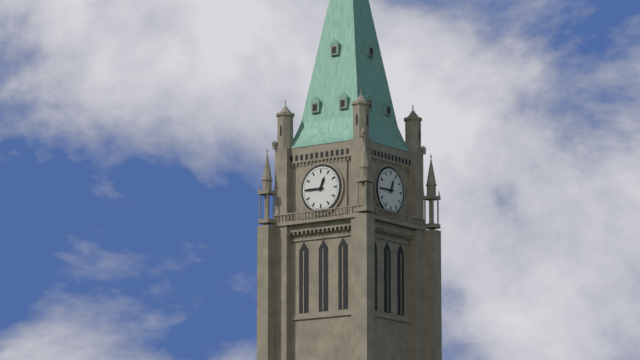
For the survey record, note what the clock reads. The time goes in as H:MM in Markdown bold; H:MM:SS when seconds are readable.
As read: **12:45**
